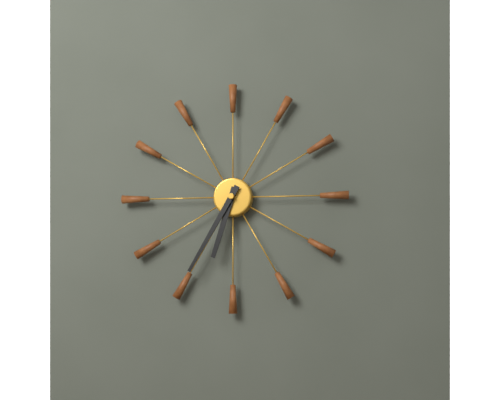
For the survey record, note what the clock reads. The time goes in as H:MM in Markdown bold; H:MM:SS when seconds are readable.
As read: **6:35**
